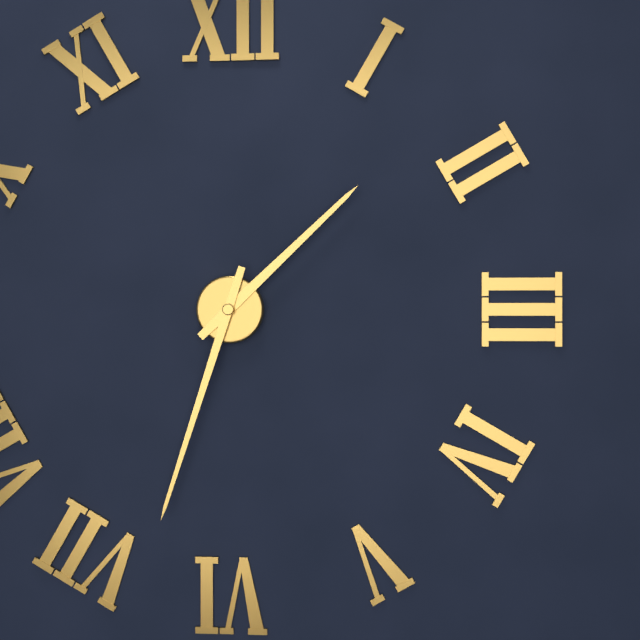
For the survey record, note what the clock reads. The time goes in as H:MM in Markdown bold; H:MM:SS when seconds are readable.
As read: **1:33**
